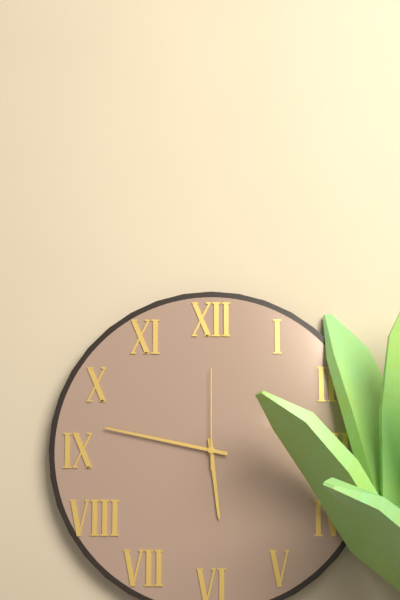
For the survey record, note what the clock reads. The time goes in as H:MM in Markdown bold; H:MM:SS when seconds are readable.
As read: **5:47:00**
